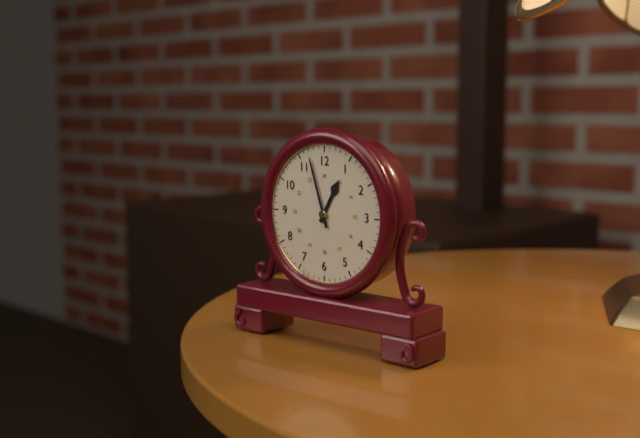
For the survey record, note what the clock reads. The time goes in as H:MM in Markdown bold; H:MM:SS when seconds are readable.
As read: **12:57**
